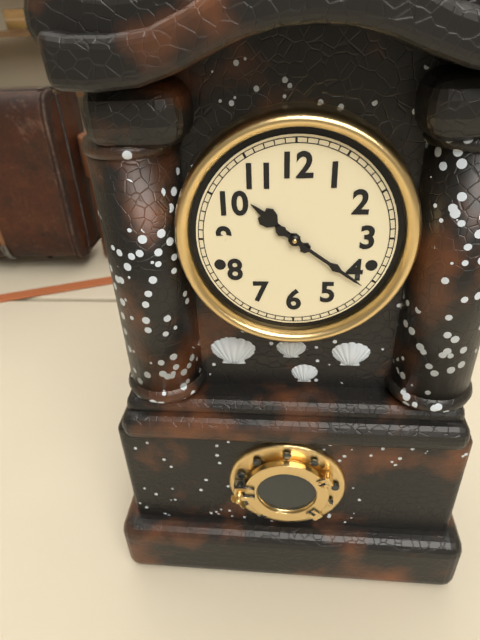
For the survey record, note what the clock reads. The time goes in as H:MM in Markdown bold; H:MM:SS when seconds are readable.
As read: **10:21**
